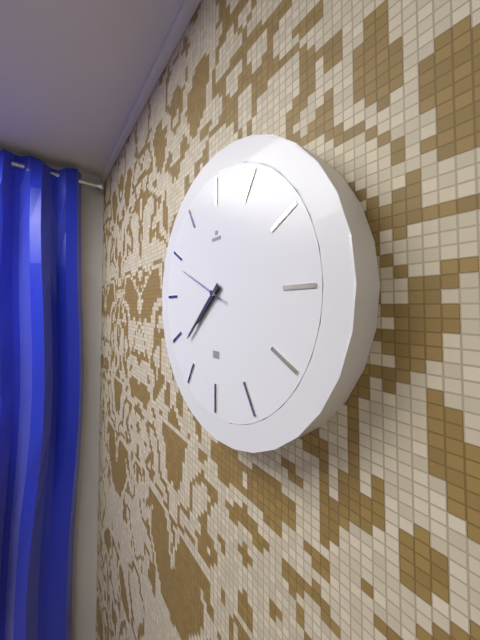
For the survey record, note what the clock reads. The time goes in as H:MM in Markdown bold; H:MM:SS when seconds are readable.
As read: **7:38**
